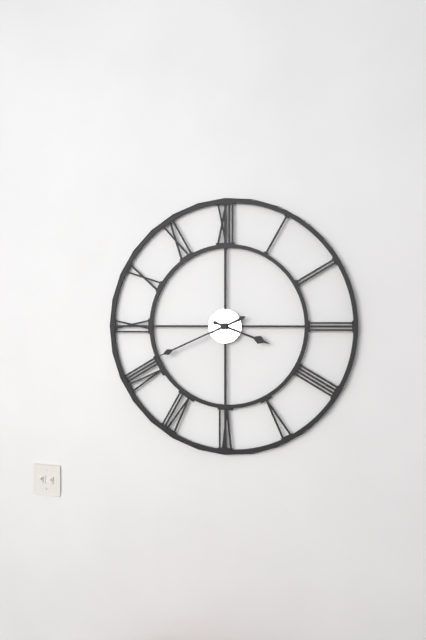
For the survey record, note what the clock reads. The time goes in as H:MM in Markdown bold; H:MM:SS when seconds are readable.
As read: **3:41**
